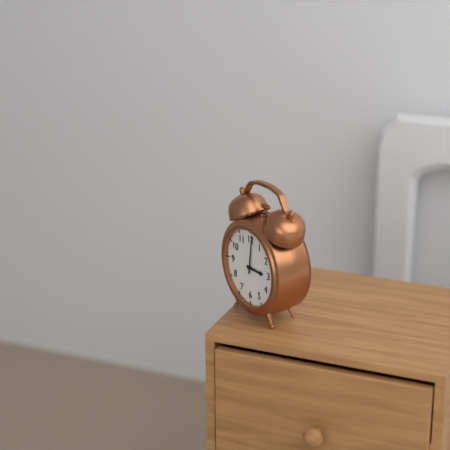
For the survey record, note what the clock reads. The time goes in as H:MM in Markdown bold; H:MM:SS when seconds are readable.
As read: **3:01**
